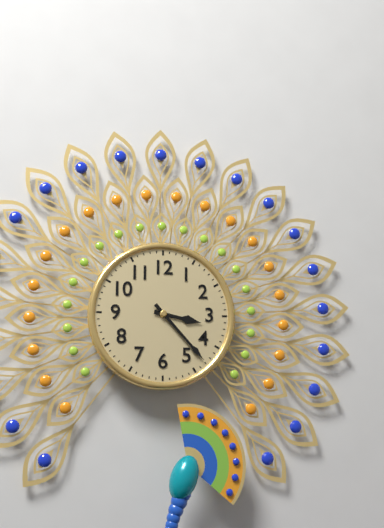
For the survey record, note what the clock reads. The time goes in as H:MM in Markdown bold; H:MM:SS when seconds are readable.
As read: **3:23**
